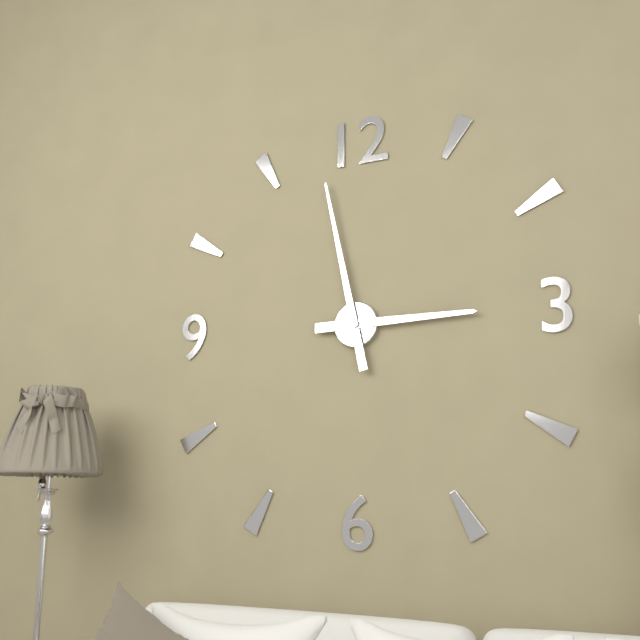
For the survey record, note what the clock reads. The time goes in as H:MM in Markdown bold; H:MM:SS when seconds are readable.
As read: **2:58**
